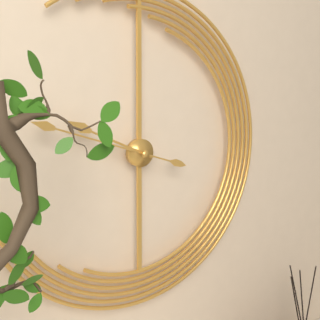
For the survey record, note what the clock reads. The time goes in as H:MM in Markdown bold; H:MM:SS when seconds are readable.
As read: **9:48**
